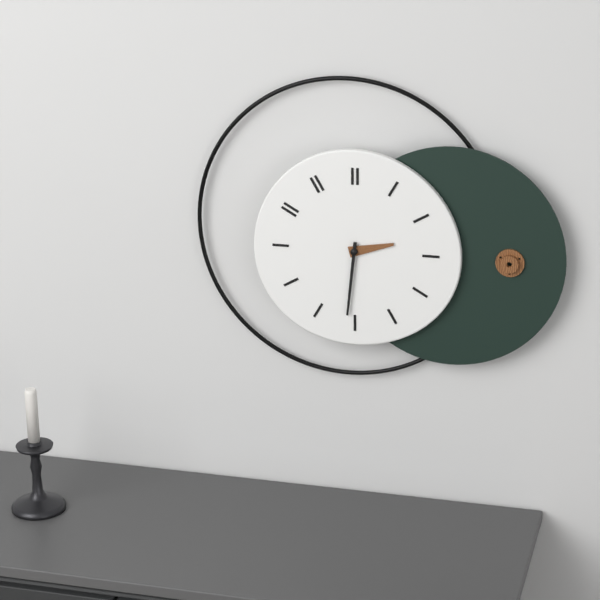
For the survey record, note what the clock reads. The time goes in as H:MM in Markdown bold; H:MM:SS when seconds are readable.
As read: **2:31**
